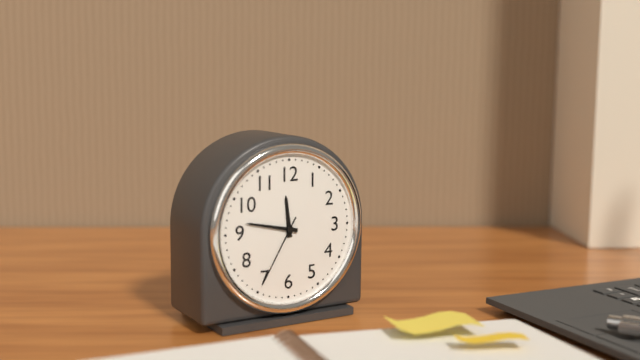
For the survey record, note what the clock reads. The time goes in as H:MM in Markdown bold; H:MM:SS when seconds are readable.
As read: **11:47:35**
